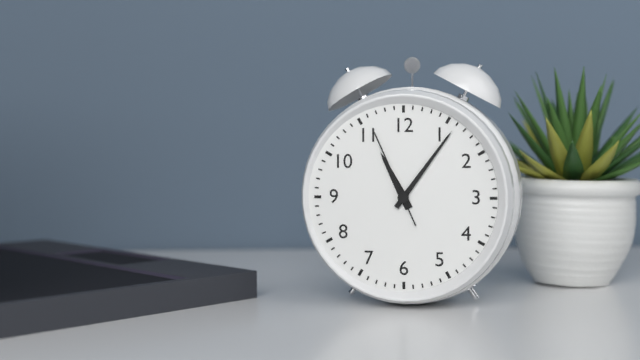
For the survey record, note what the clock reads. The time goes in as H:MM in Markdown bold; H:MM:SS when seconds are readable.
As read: **11:06:56**
